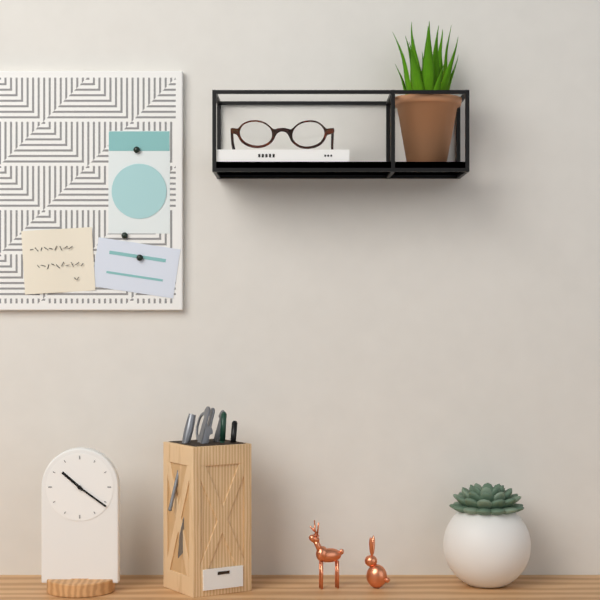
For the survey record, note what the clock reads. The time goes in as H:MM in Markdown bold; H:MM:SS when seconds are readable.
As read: **10:21**
